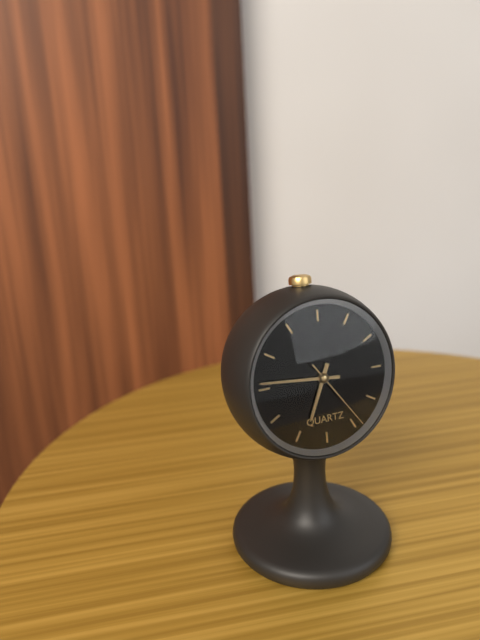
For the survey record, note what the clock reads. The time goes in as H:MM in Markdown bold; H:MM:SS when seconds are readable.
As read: **6:46:24**
